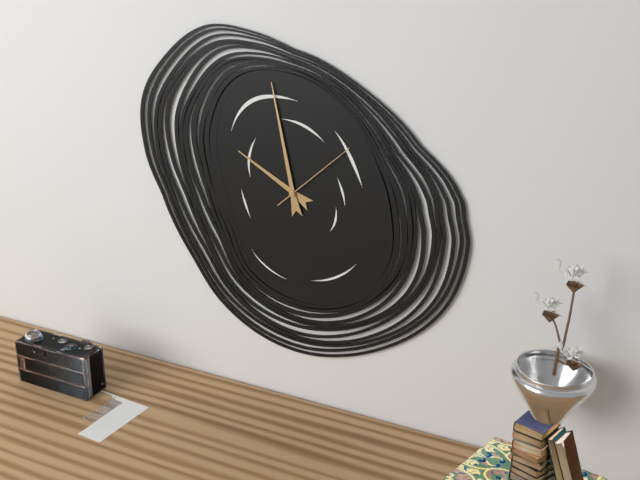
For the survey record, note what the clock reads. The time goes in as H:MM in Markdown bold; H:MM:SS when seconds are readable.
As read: **9:58:08**
